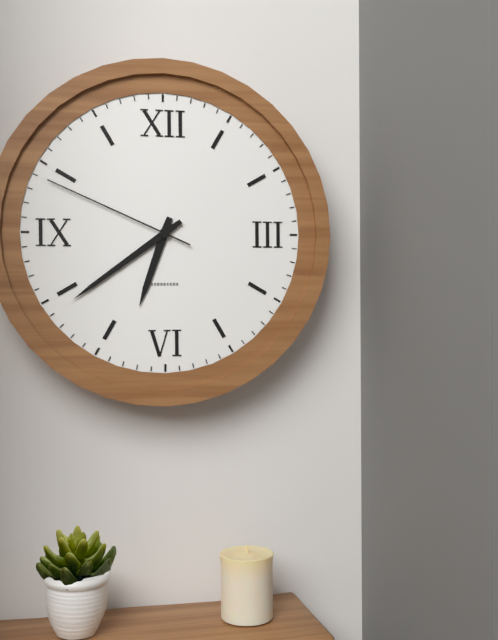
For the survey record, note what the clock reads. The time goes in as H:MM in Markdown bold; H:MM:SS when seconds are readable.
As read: **6:39:49**
